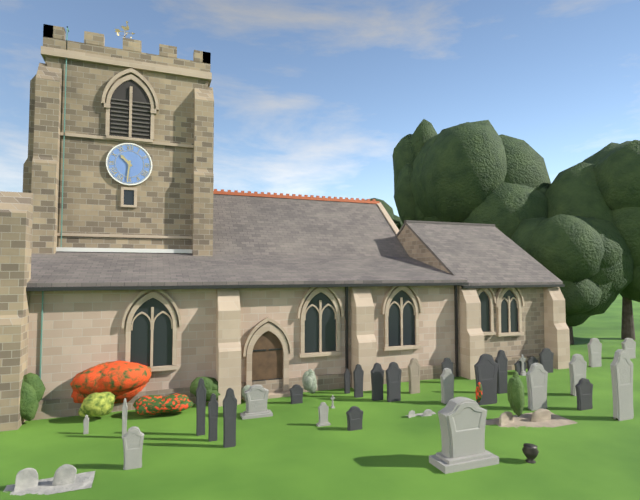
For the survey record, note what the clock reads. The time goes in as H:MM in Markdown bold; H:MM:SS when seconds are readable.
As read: **10:31**
